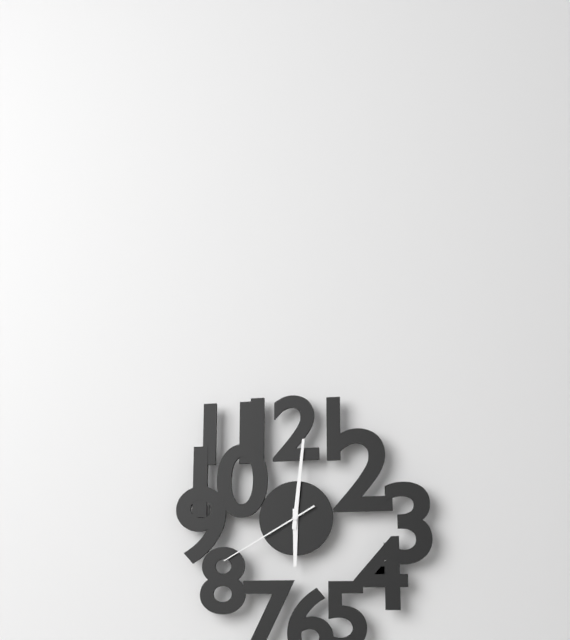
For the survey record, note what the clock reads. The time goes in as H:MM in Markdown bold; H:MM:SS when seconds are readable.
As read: **6:01:40**
